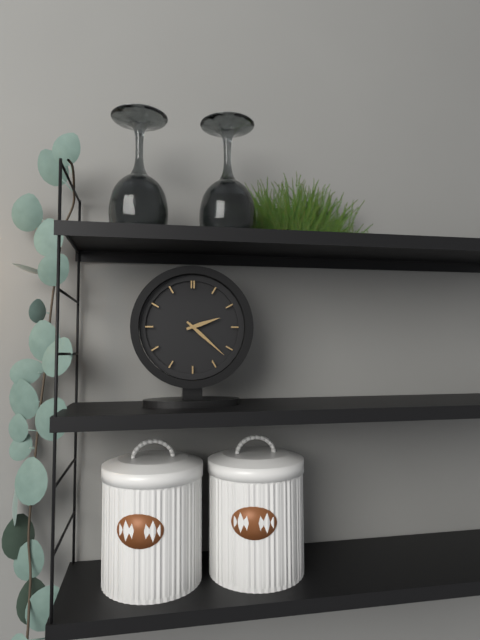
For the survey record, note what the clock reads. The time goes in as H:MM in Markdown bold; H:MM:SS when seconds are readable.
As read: **2:22**
